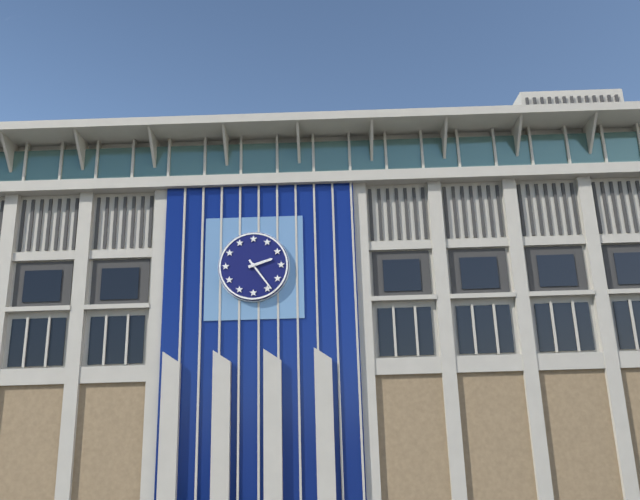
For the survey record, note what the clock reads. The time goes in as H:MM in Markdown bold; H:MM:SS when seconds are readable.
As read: **2:24**
